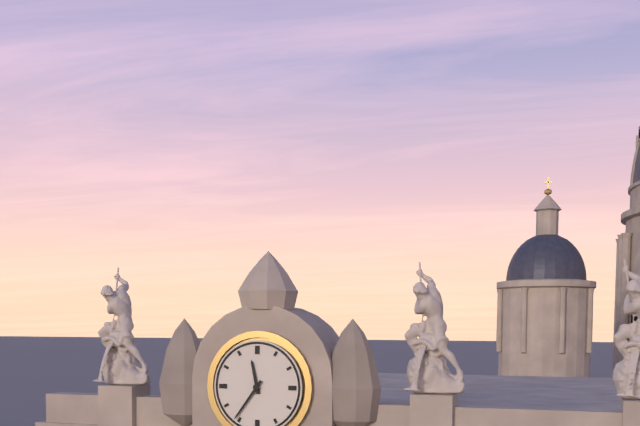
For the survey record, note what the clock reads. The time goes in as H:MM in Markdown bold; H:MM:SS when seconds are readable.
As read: **11:36**
